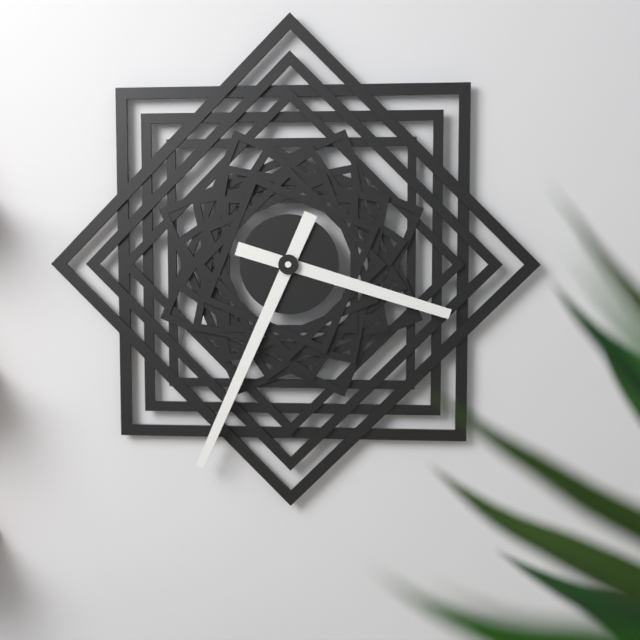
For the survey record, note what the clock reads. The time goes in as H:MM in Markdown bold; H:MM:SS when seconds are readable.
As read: **3:34**
